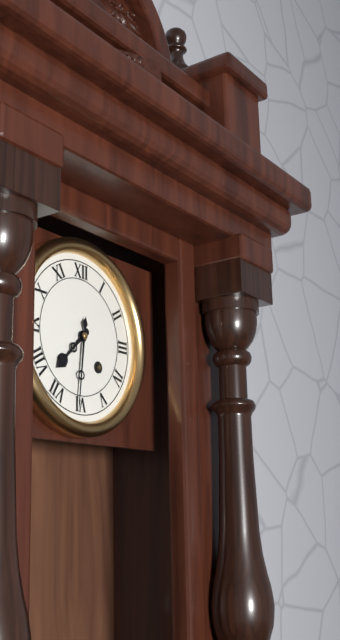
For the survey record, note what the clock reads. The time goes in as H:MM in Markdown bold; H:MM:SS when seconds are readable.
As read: **7:31**
